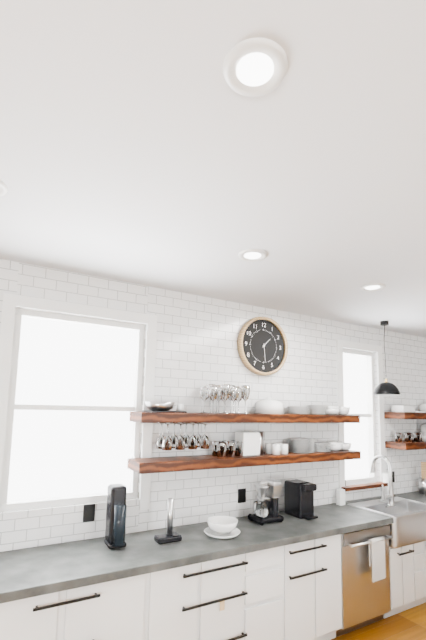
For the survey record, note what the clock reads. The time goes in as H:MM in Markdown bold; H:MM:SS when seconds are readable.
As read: **1:29**
